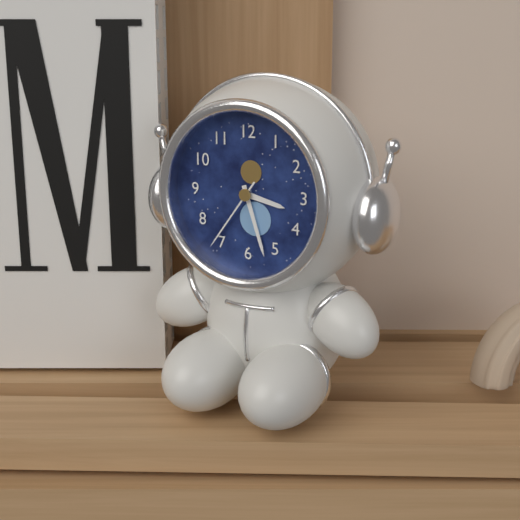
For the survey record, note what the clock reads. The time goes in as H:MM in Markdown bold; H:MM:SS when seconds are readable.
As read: **3:27:36**
